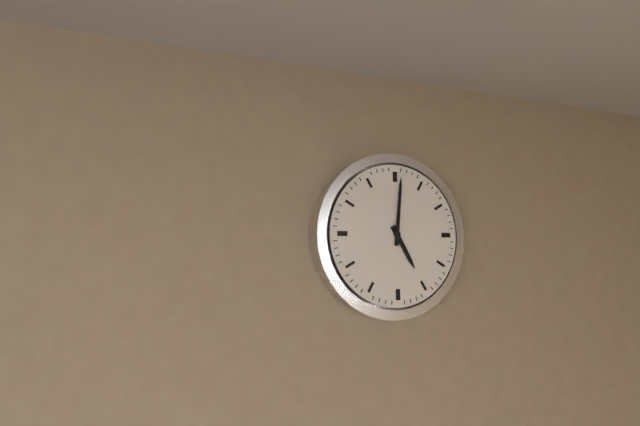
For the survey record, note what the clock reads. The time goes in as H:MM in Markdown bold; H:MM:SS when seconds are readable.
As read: **5:01**
